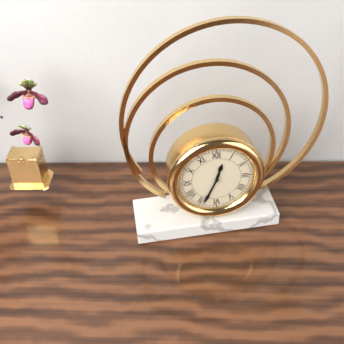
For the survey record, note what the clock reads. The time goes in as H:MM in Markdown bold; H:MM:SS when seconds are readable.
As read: **12:34**
